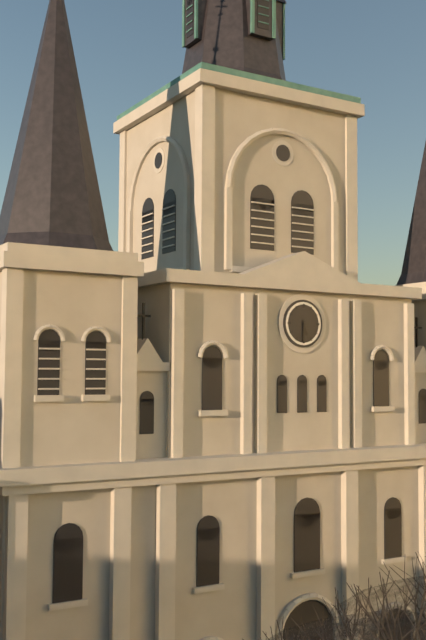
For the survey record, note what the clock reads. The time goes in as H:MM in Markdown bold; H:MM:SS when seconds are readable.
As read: **5:30**
